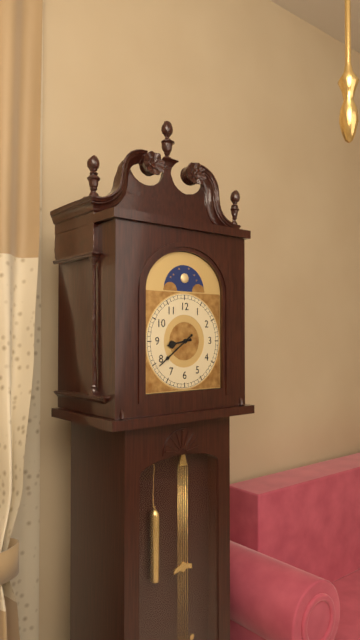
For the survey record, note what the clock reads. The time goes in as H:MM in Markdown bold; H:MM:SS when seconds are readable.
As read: **8:39**
